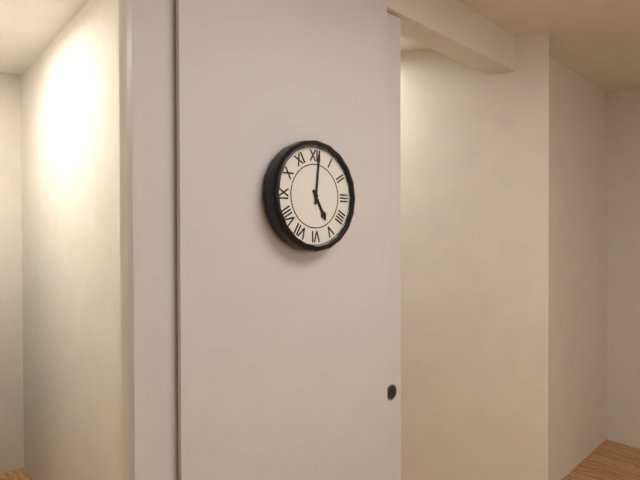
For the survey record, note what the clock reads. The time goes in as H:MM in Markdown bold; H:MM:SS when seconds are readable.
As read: **5:01**
